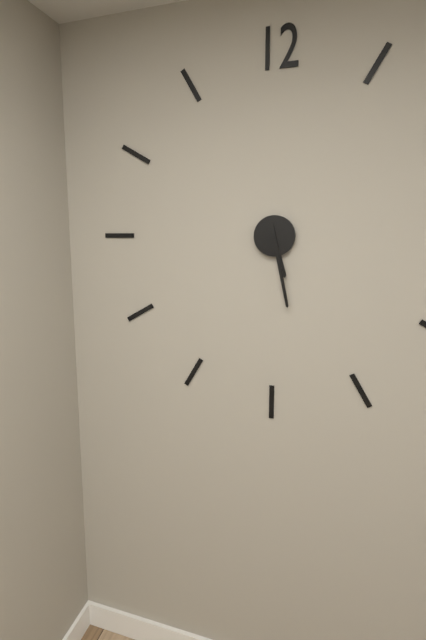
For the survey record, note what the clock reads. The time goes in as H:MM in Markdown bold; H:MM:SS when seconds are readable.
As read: **5:28**
